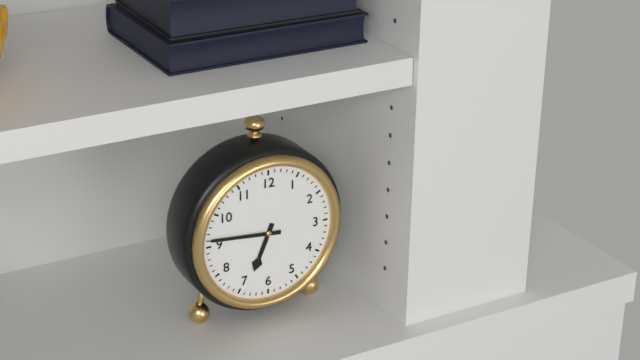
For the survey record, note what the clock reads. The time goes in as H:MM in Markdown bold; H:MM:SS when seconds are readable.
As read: **6:46**
